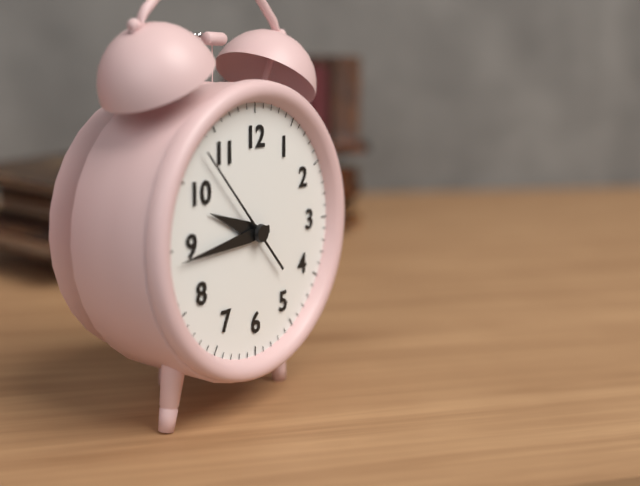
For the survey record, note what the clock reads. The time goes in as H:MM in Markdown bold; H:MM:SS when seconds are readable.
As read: **9:44:53**
